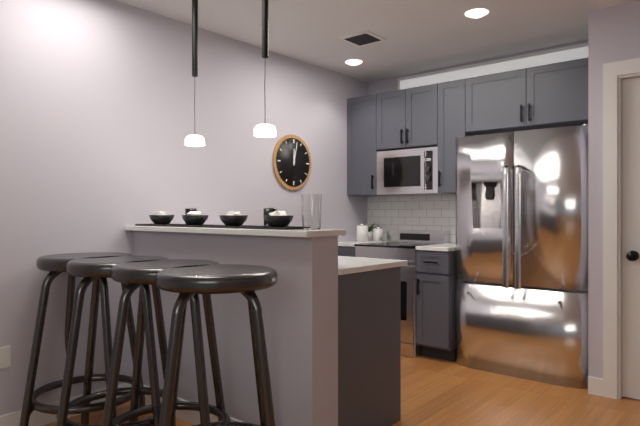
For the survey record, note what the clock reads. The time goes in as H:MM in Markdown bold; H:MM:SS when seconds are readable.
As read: **12:02**
